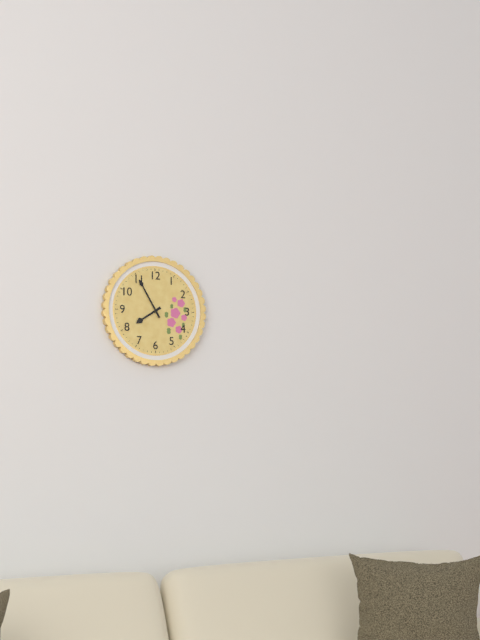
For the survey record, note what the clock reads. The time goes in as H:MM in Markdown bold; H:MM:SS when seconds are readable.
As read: **7:55**
